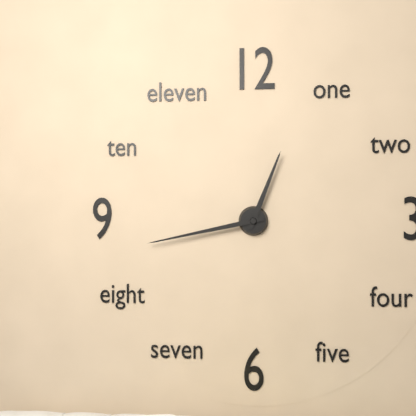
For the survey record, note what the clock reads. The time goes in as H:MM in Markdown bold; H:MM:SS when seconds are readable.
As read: **12:43**
